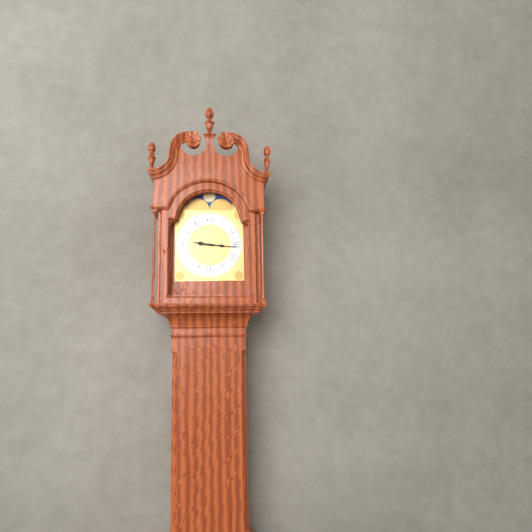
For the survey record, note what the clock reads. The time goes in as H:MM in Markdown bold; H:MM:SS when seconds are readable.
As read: **9:16**
